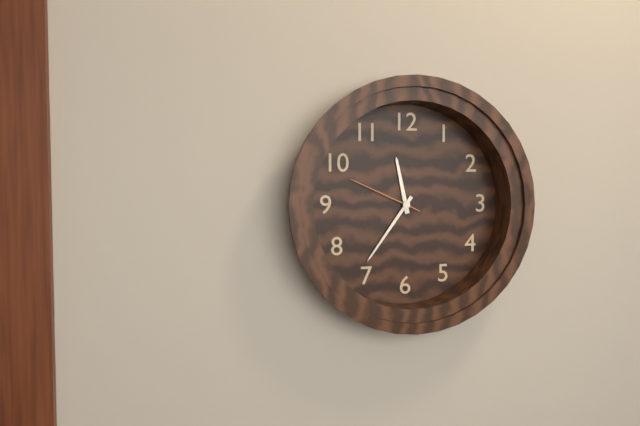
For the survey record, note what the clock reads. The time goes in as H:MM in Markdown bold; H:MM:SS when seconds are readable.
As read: **11:36:49**
